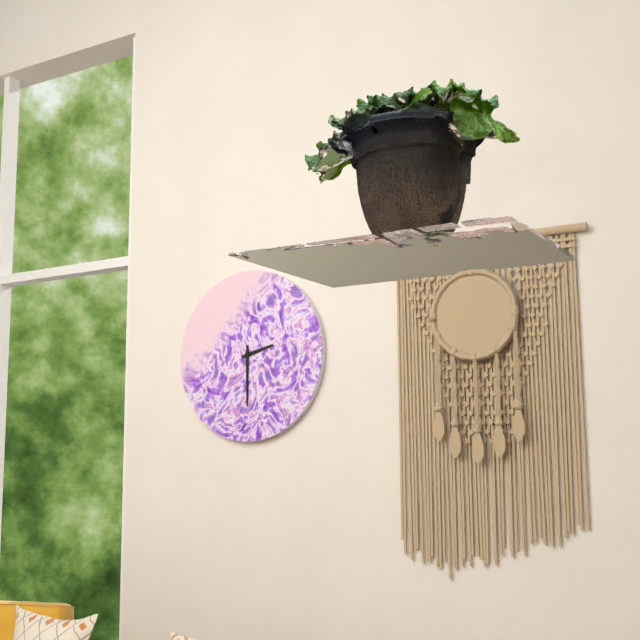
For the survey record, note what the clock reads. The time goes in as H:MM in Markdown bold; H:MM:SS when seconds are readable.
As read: **2:30**
